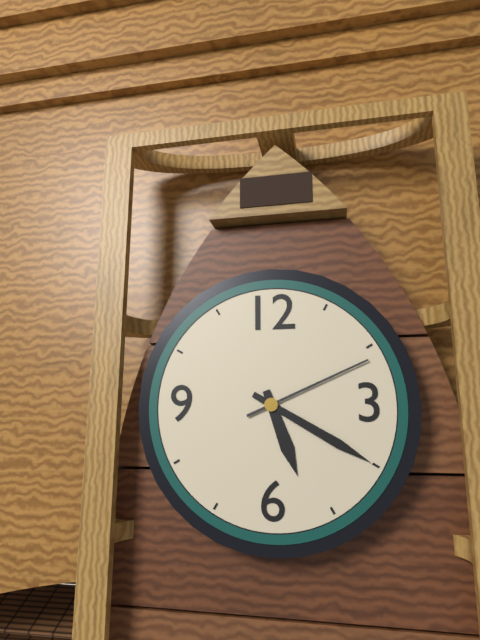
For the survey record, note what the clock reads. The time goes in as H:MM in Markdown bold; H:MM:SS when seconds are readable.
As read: **5:20:11**
